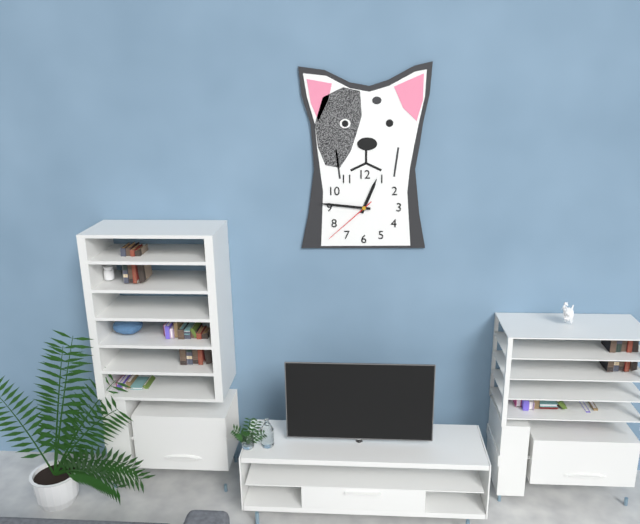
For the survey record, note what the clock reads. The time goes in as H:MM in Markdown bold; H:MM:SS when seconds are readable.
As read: **12:46:38**
